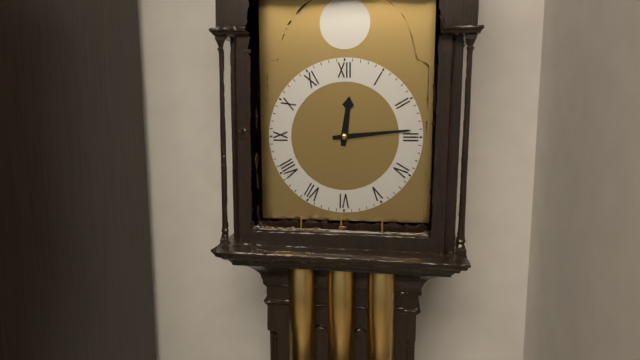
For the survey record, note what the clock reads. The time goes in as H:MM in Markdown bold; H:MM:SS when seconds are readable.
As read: **12:14**
